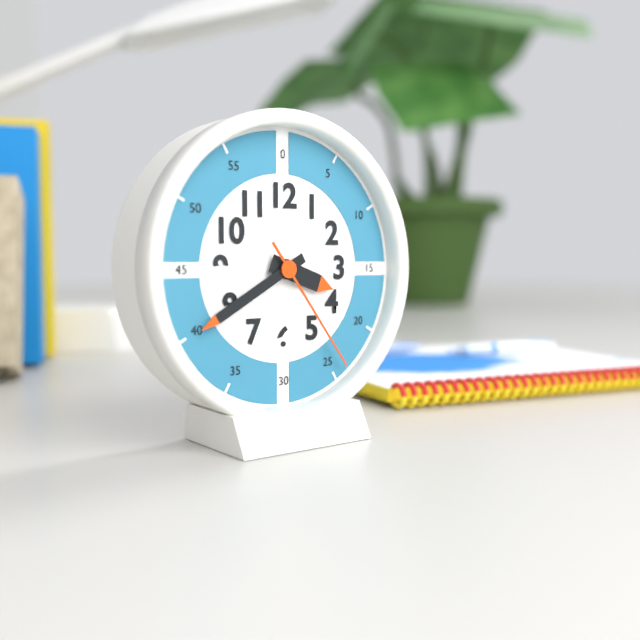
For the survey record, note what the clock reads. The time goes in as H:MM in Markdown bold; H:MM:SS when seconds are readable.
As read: **3:40:24**
